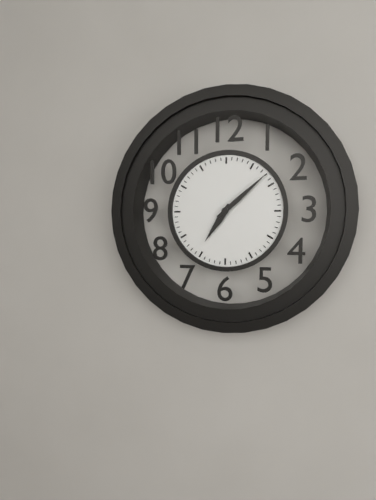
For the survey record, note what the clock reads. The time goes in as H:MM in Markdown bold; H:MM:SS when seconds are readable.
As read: **7:08**
